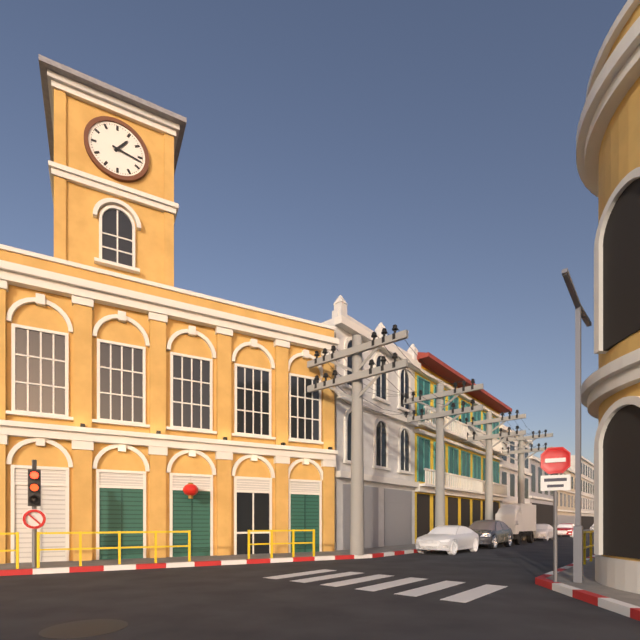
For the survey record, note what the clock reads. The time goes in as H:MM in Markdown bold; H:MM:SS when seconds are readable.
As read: **1:17**
